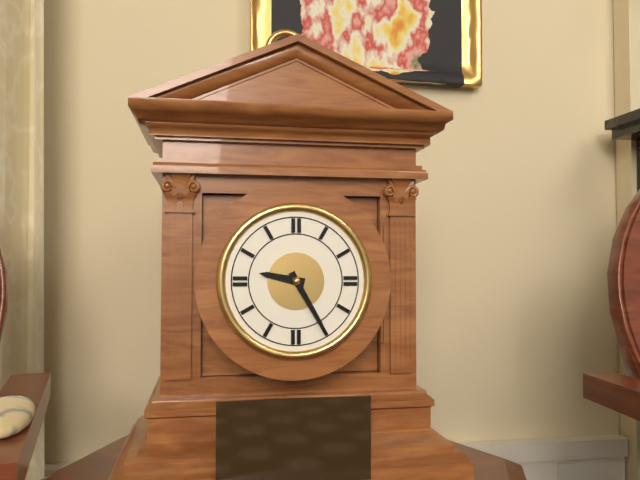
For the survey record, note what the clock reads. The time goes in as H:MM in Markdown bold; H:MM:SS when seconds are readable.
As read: **9:25**
